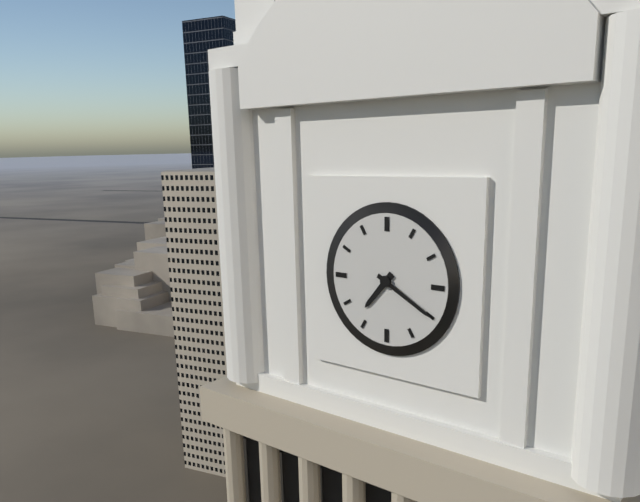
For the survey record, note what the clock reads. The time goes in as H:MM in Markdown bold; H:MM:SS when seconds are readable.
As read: **7:20**
